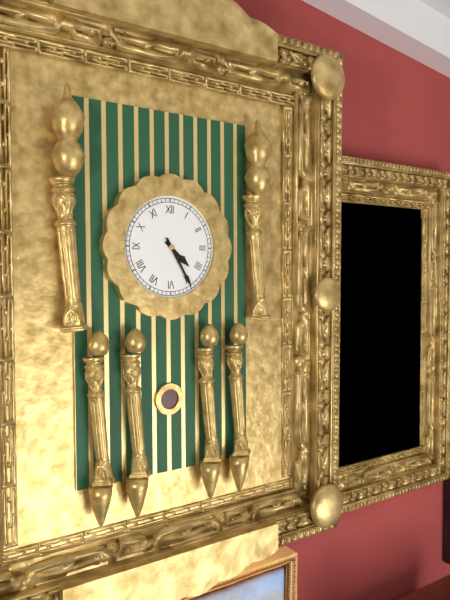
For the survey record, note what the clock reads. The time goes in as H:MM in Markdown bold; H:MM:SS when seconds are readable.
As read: **4:25**
